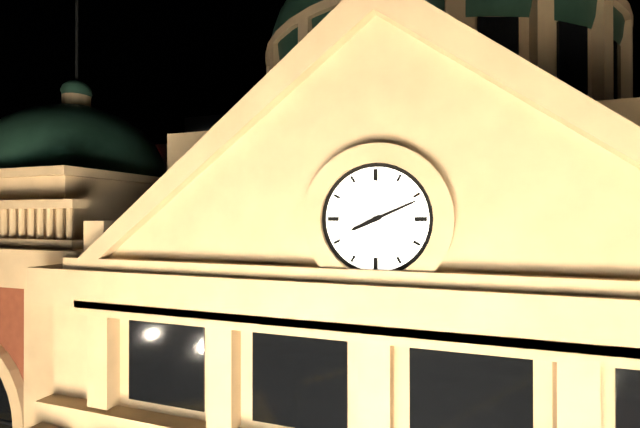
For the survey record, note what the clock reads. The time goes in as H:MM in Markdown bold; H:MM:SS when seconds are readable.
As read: **8:11**
